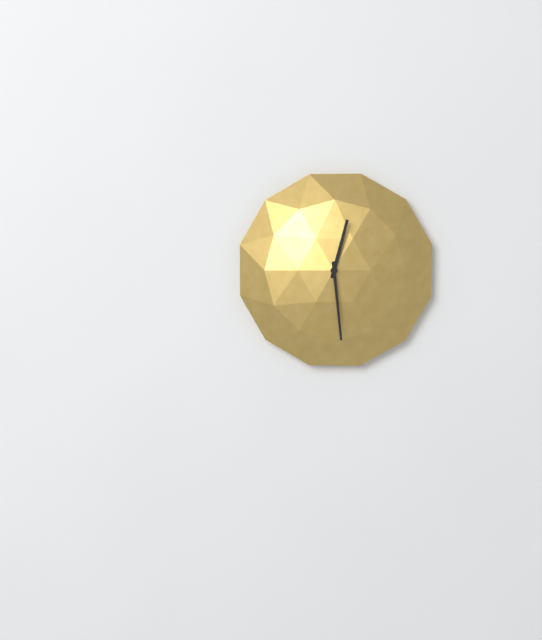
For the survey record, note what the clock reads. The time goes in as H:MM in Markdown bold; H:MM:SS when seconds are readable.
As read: **12:29**
